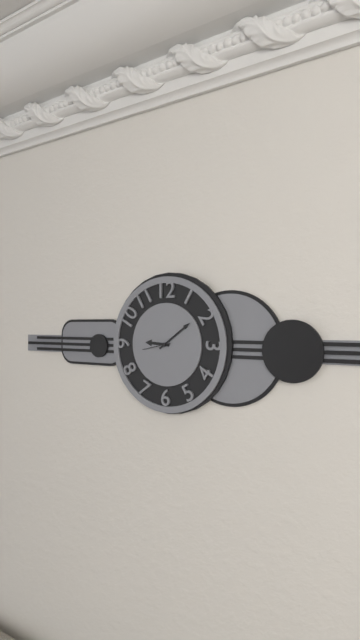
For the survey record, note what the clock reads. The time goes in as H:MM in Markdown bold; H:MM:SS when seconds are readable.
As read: **9:09**
